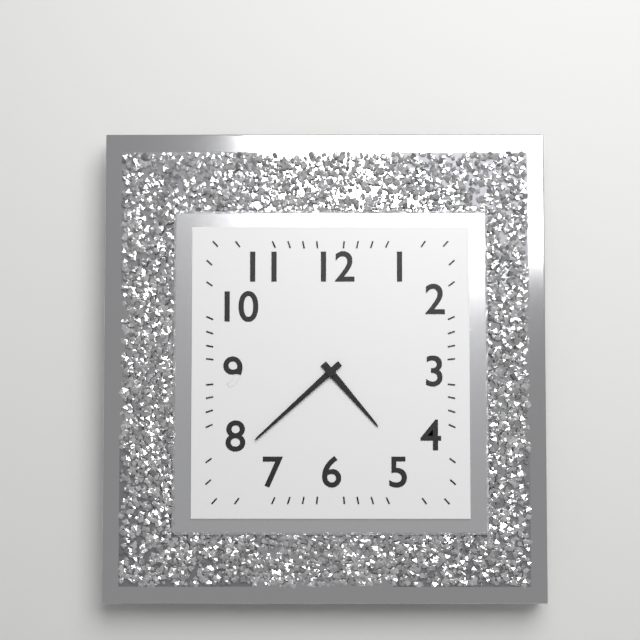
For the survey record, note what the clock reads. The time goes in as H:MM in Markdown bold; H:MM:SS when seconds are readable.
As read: **4:38**
